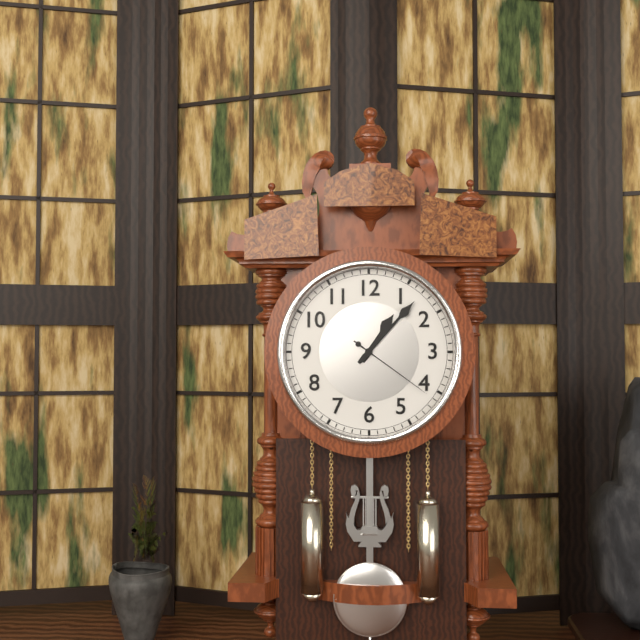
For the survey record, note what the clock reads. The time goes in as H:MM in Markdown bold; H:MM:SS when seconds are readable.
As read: **1:07:21**
